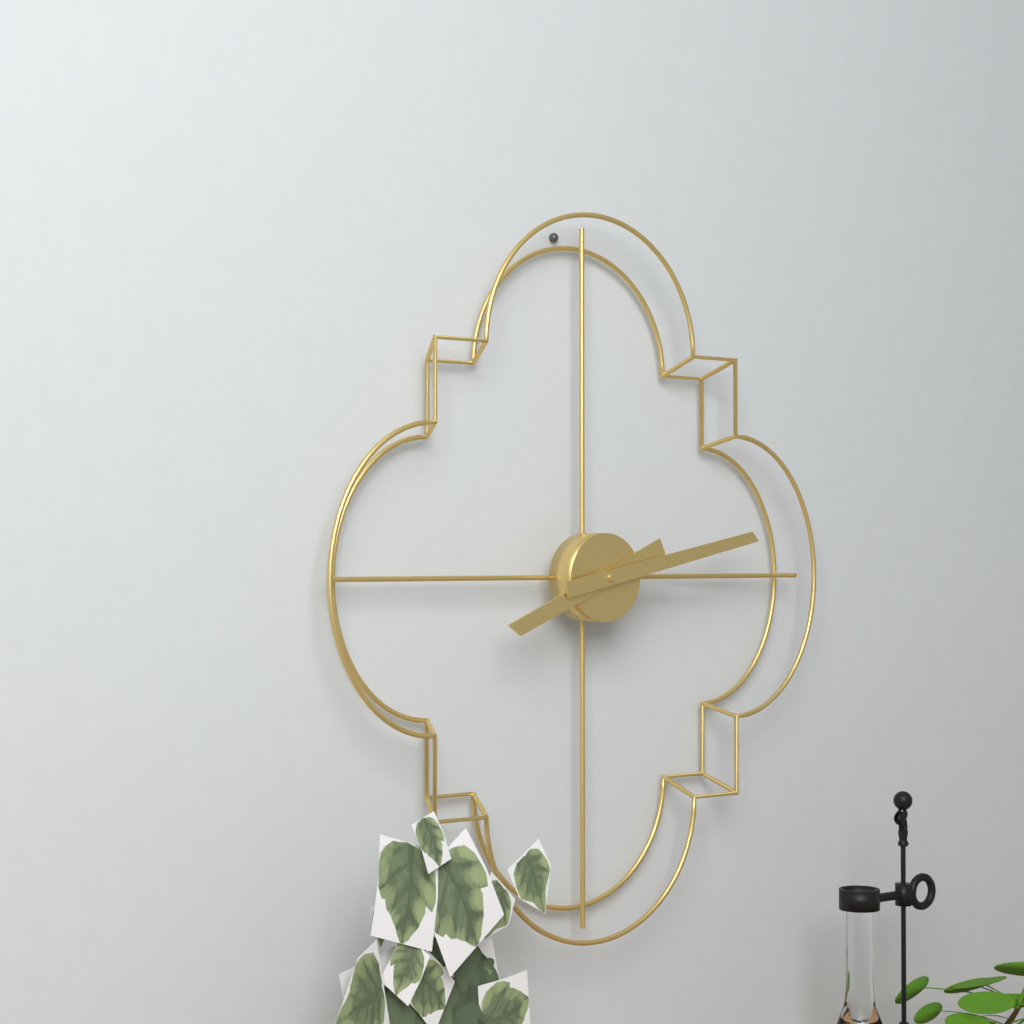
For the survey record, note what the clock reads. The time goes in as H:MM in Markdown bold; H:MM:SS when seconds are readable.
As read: **8:13**
